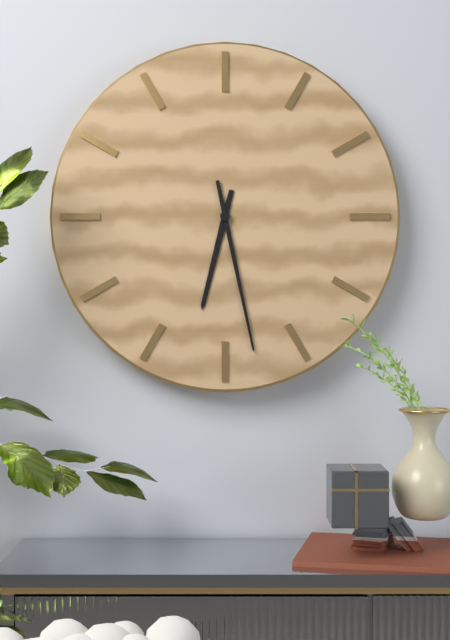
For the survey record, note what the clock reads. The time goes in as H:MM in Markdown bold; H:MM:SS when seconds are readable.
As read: **6:28**
